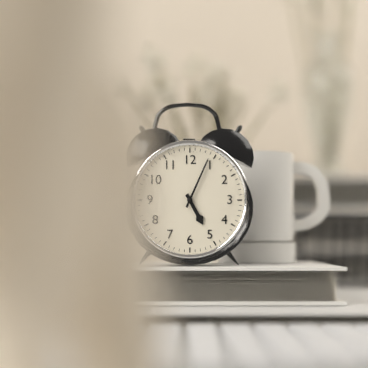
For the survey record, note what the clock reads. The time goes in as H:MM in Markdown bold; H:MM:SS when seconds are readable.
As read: **5:04**
